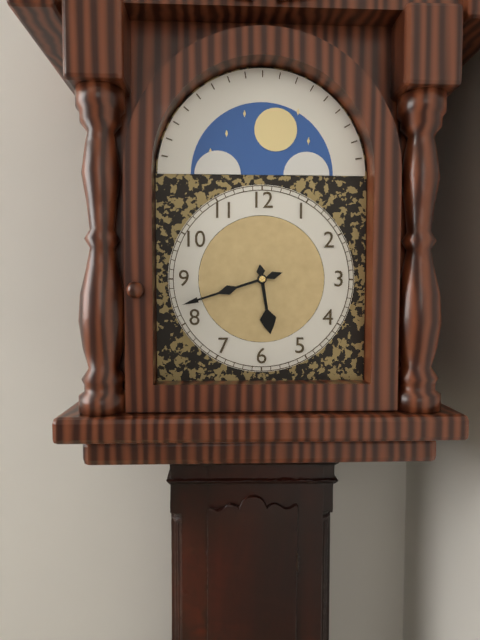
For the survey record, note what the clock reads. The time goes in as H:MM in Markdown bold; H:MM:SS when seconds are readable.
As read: **5:42**
